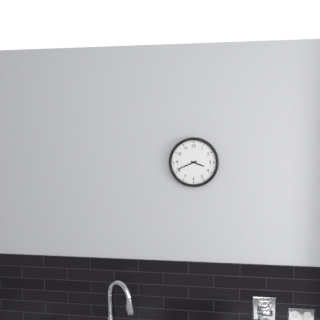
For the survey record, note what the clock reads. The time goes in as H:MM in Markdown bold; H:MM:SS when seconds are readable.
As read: **3:41**
